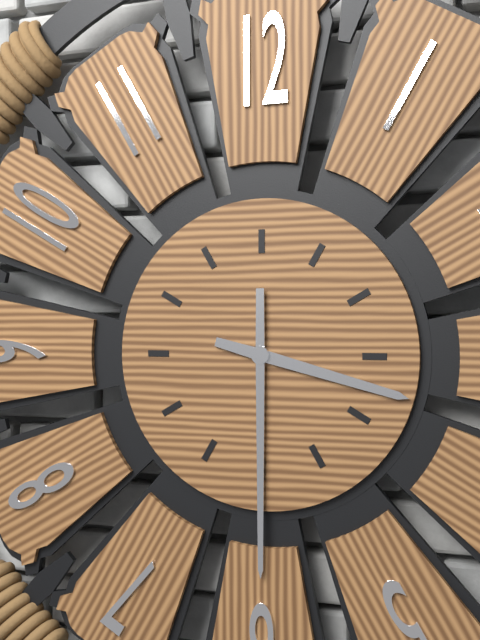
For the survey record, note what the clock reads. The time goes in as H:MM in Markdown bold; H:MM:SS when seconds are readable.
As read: **3:30**
